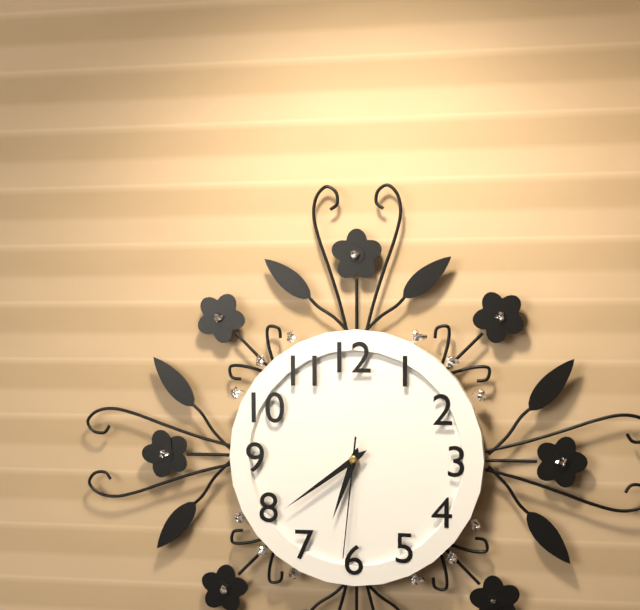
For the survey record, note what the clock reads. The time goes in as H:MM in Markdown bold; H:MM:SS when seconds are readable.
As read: **6:39:31**
